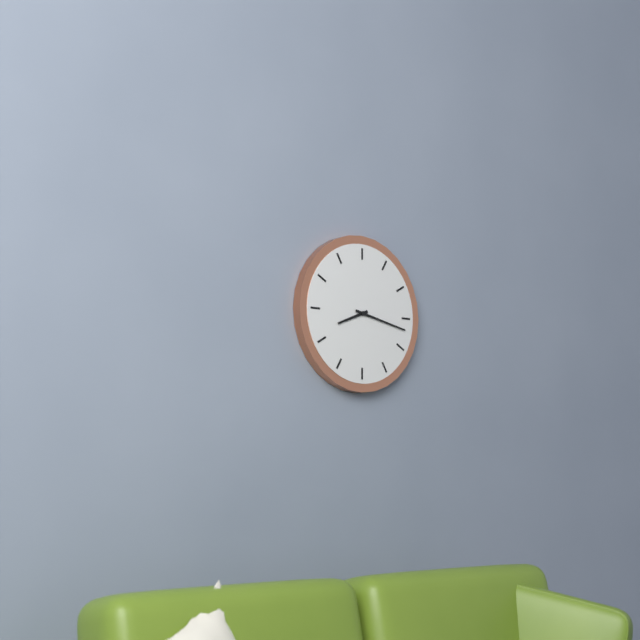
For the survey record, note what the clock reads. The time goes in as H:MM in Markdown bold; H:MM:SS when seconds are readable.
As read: **8:17**
